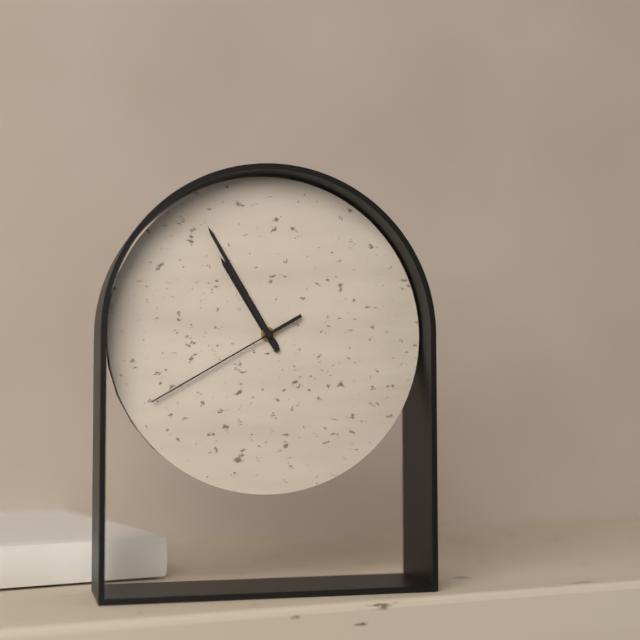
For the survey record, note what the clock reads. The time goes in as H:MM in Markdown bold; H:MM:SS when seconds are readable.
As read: **10:55:40**
